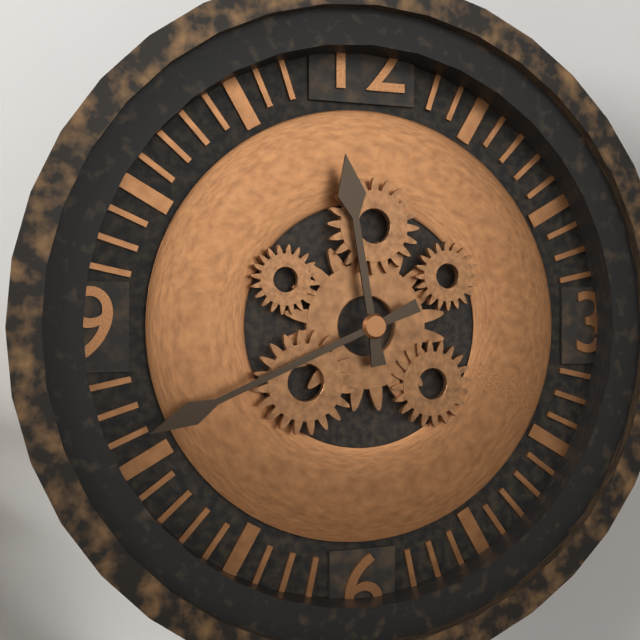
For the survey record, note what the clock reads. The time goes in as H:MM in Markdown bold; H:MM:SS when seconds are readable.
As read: **11:41**
